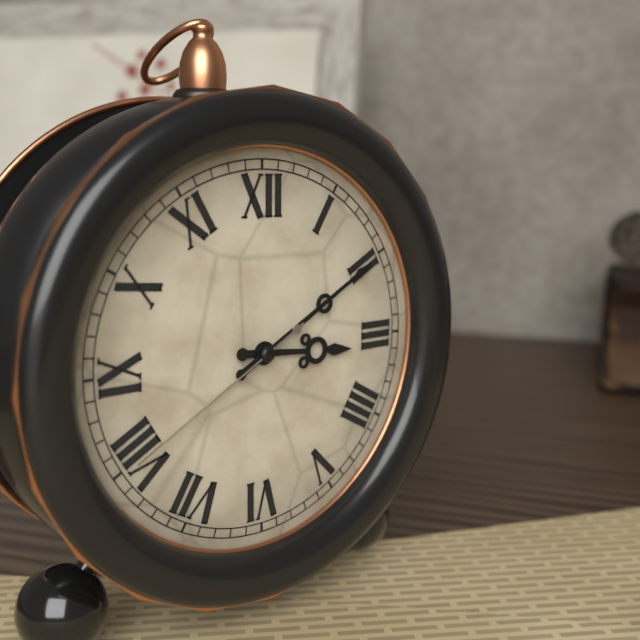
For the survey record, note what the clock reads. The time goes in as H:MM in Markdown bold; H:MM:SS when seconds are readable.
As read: **3:10:40**
